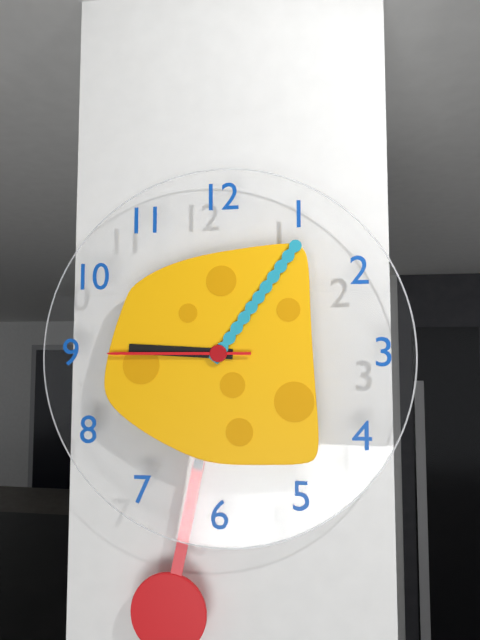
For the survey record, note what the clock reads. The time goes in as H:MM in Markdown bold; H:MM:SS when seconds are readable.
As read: **9:06:45**
